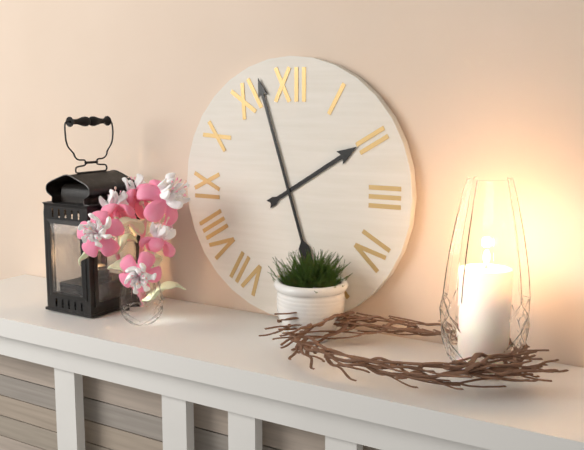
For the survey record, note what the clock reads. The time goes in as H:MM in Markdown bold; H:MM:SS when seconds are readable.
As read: **1:57**
